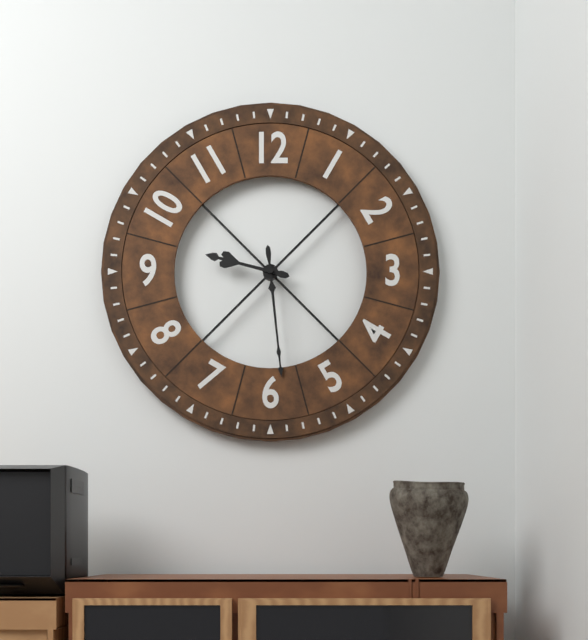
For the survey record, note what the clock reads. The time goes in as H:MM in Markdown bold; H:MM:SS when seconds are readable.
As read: **9:29**
